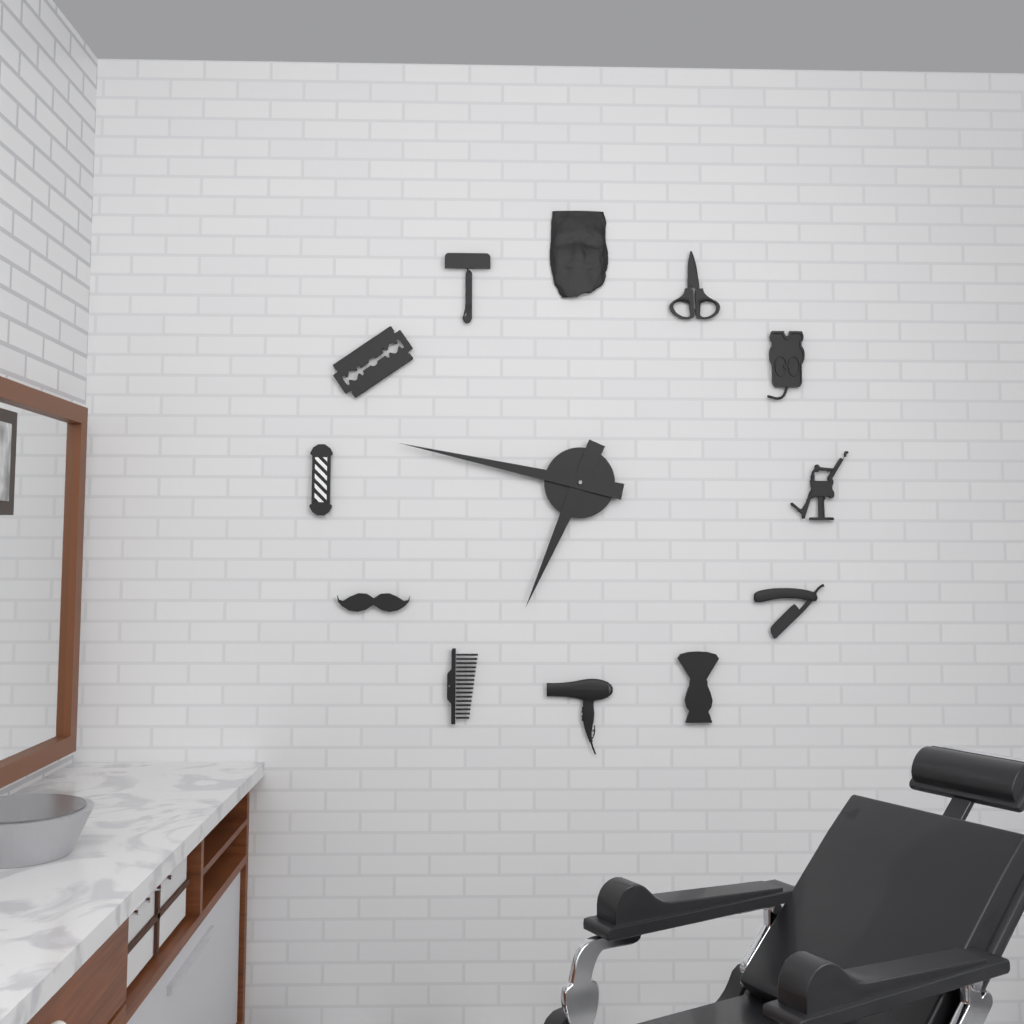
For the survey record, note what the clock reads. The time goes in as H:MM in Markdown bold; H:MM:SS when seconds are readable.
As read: **6:47**
